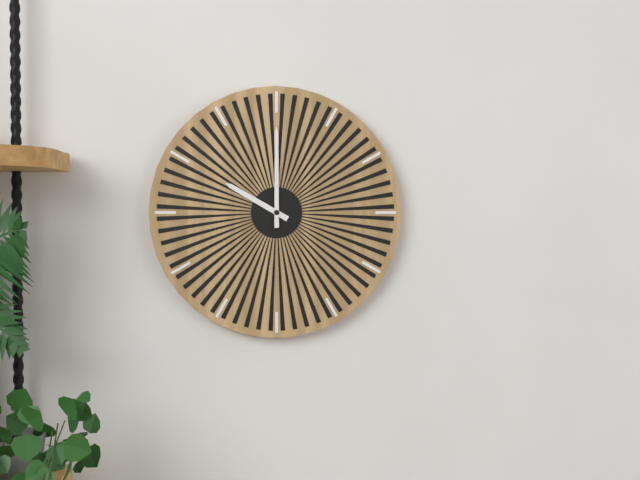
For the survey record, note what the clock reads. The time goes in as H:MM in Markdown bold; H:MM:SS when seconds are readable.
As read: **10:00**
